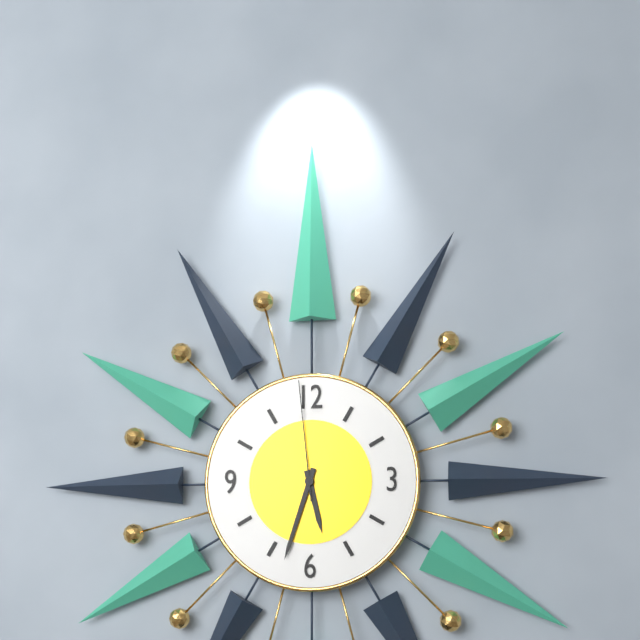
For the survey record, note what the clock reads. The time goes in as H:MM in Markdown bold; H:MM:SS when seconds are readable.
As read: **5:33:59**
